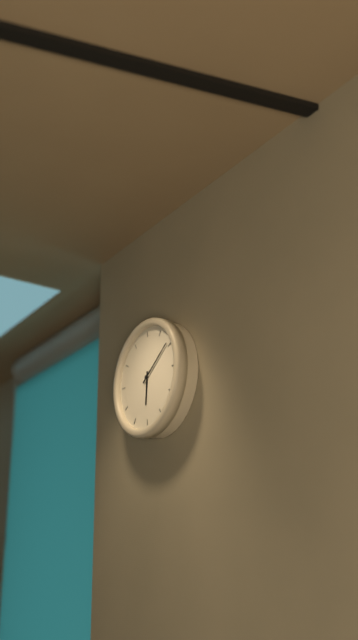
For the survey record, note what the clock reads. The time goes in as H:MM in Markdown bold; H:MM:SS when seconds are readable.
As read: **6:09**
